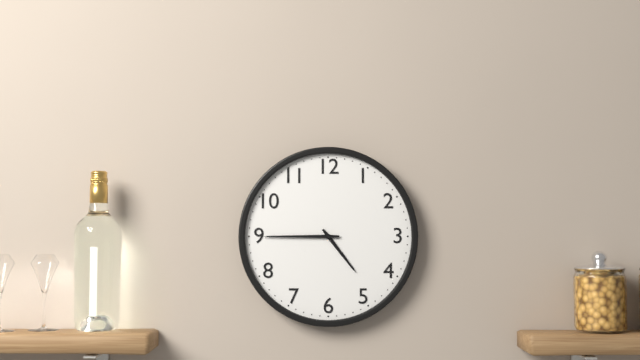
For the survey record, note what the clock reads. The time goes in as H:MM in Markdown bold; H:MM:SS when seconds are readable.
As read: **4:45**
